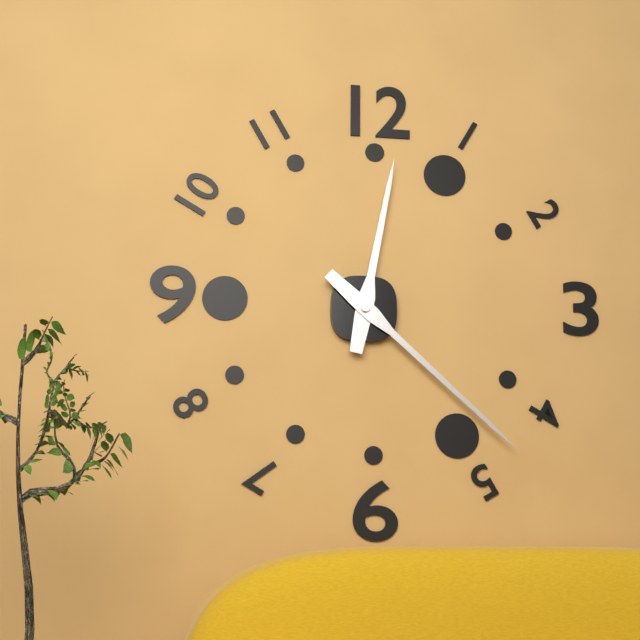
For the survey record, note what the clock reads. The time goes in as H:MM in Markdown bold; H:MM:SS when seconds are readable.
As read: **12:22**
